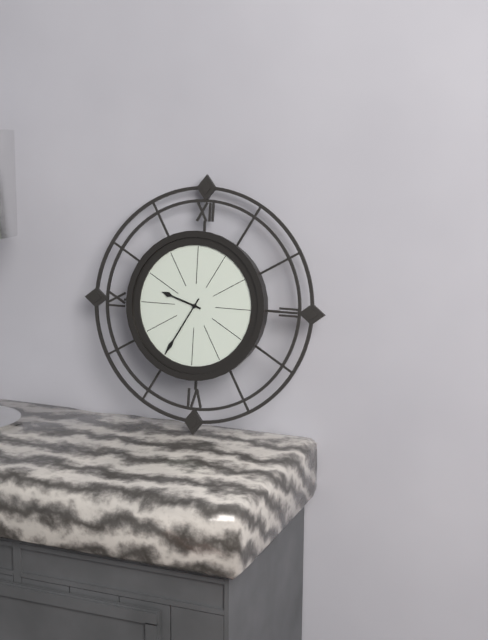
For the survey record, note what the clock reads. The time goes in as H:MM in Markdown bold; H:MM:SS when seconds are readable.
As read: **9:35**
